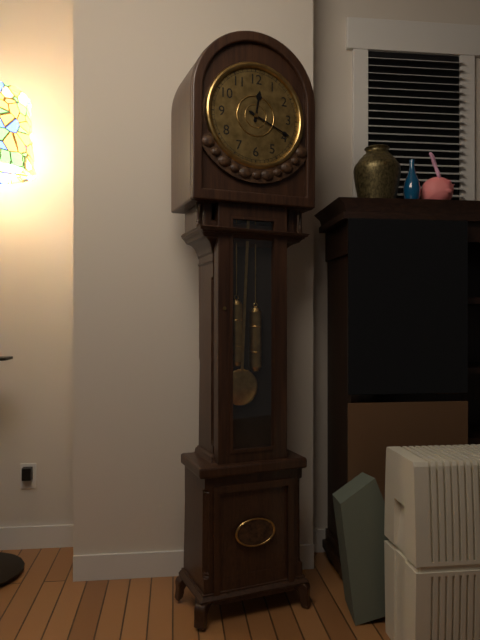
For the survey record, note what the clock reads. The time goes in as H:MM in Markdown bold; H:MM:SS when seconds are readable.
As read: **12:19**
